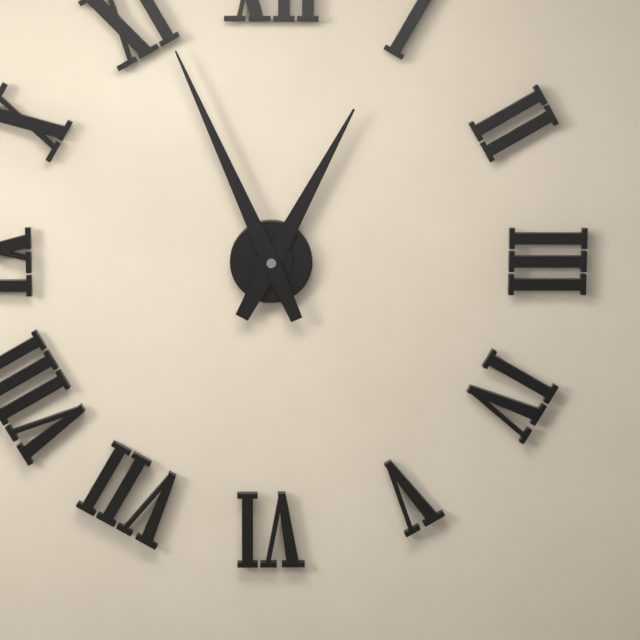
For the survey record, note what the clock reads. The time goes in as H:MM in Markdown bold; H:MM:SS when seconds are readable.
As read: **12:56**
